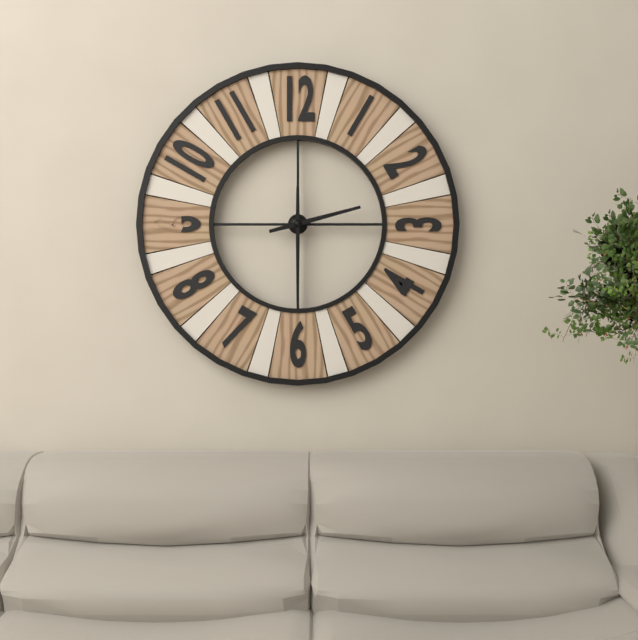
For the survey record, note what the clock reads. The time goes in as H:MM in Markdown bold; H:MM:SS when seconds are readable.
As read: **2:30**
